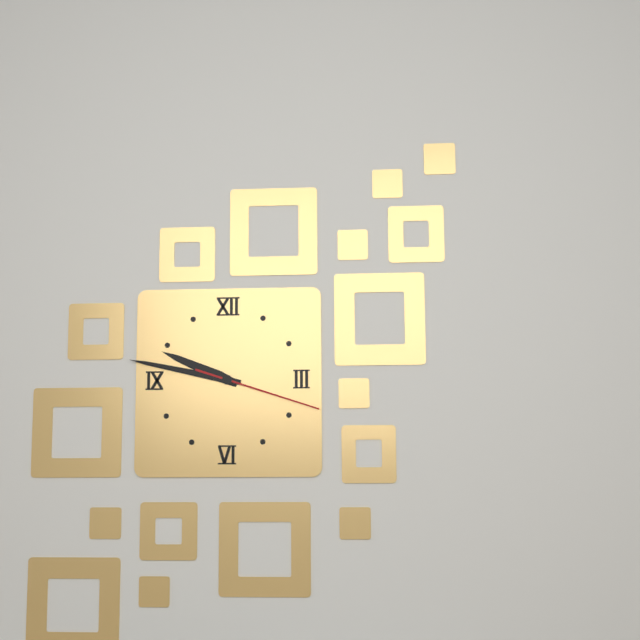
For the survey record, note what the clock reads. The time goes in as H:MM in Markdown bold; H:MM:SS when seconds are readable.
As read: **9:47:18**
